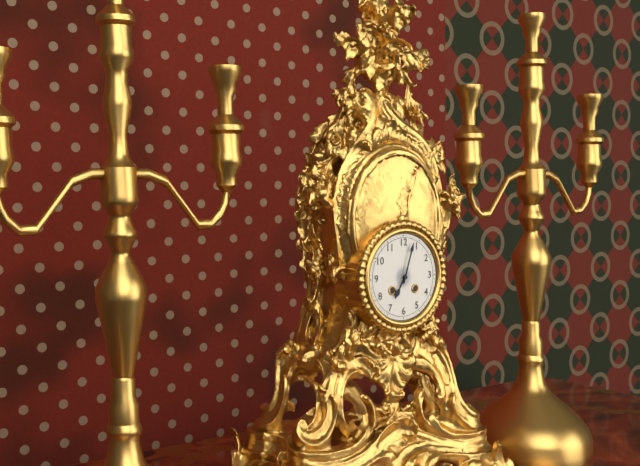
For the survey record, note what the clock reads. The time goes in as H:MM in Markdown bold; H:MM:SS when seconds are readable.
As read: **7:03**
